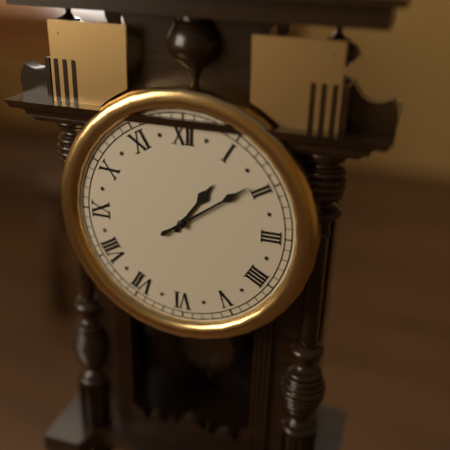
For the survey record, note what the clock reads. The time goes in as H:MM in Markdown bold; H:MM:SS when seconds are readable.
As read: **1:09**
